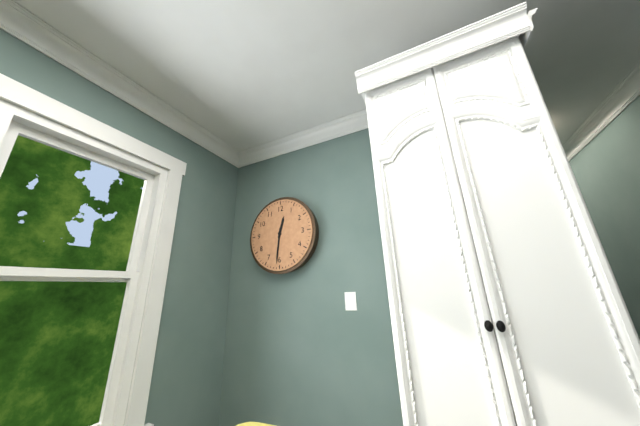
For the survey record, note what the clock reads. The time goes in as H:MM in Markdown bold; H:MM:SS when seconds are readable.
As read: **12:31**
